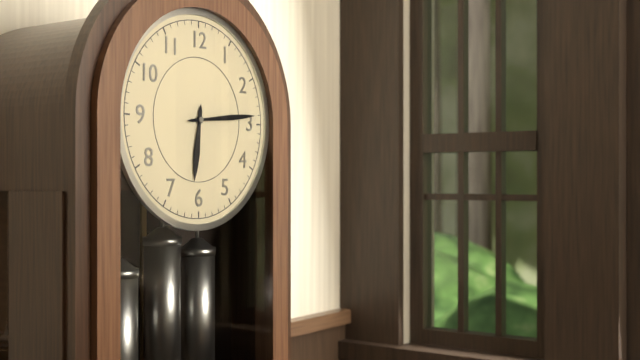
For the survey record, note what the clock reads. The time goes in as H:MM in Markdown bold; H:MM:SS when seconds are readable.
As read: **6:14**
